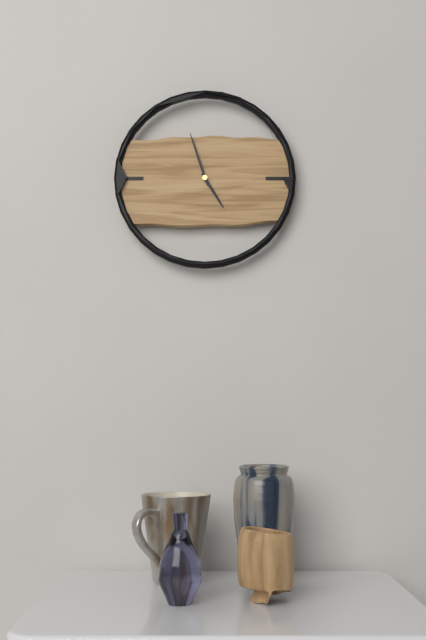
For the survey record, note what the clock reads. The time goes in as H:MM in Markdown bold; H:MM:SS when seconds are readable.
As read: **4:57**
